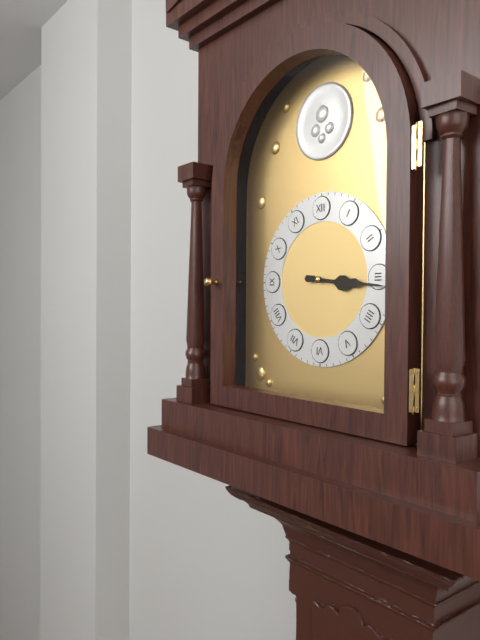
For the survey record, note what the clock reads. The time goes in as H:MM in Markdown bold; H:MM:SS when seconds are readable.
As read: **3:16**
